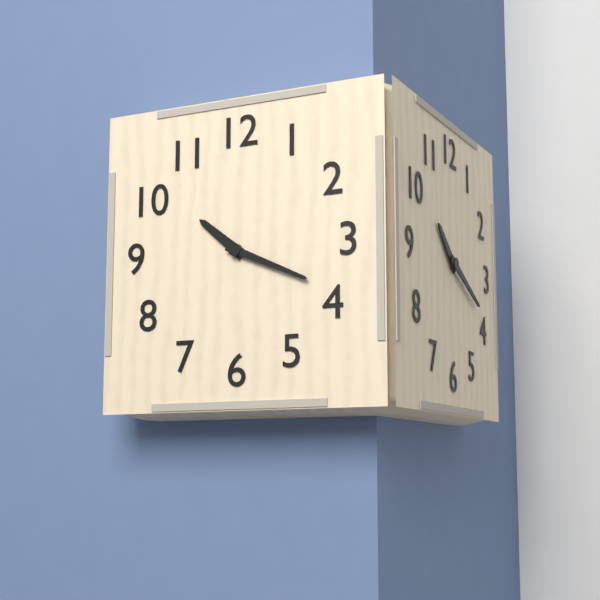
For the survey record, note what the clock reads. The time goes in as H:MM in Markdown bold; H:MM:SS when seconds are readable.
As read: **10:19**
